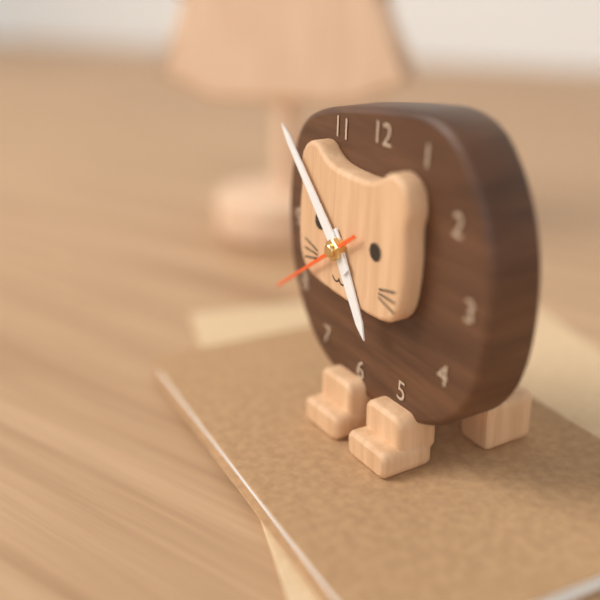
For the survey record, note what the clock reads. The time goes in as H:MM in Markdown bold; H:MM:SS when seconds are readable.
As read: **4:52:39**
